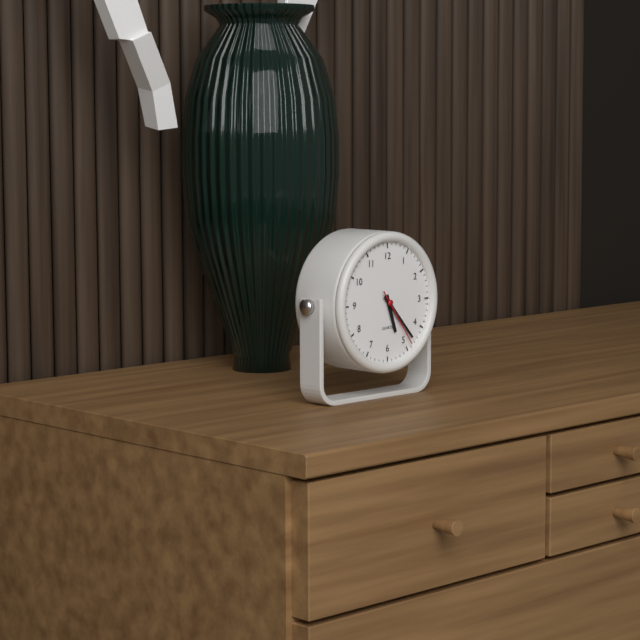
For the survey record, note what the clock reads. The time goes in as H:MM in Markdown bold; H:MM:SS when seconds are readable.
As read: **5:23:24**
